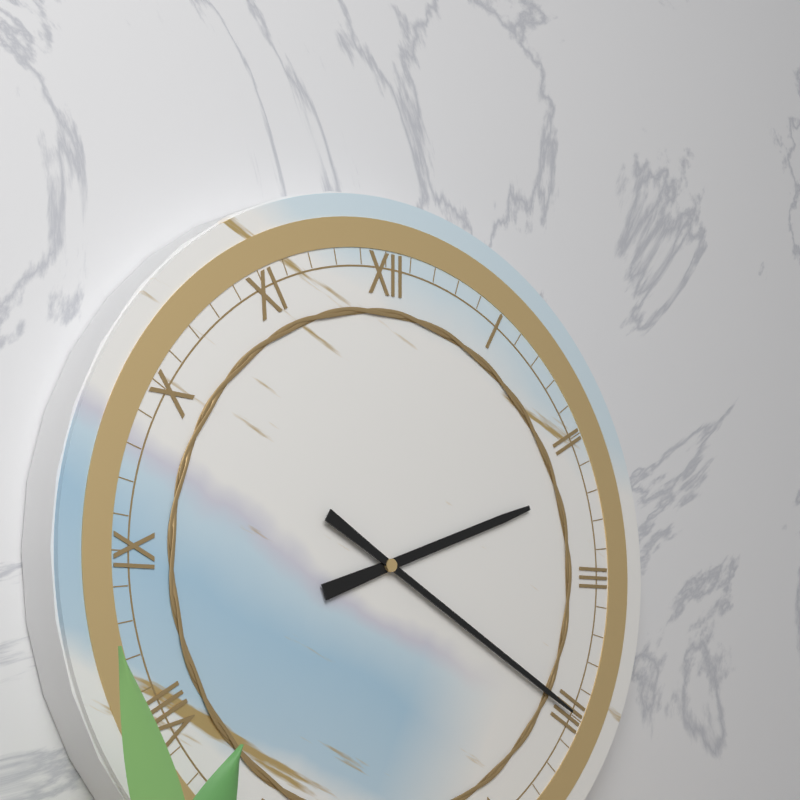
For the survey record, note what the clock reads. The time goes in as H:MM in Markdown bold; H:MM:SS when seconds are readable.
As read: **2:20**
